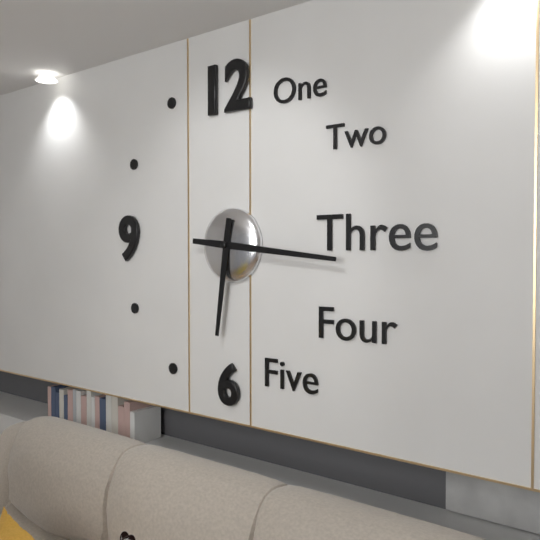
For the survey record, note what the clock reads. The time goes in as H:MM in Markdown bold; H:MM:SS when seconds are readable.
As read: **6:16**
